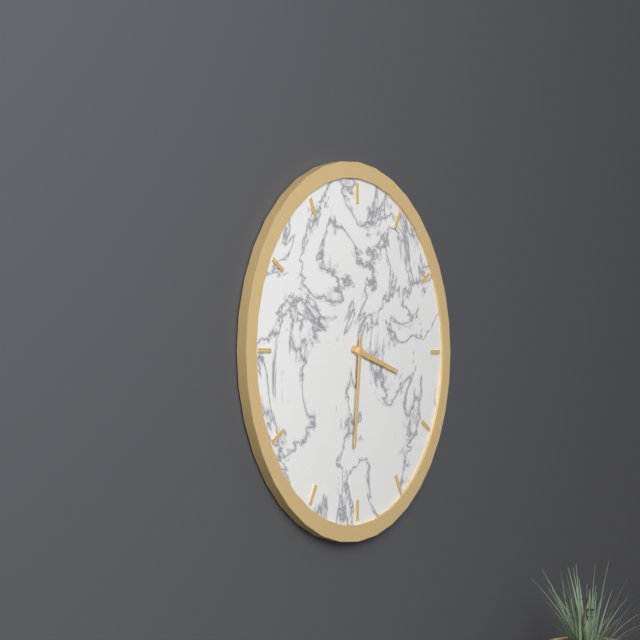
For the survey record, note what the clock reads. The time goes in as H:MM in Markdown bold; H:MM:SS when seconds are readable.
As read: **3:31**
